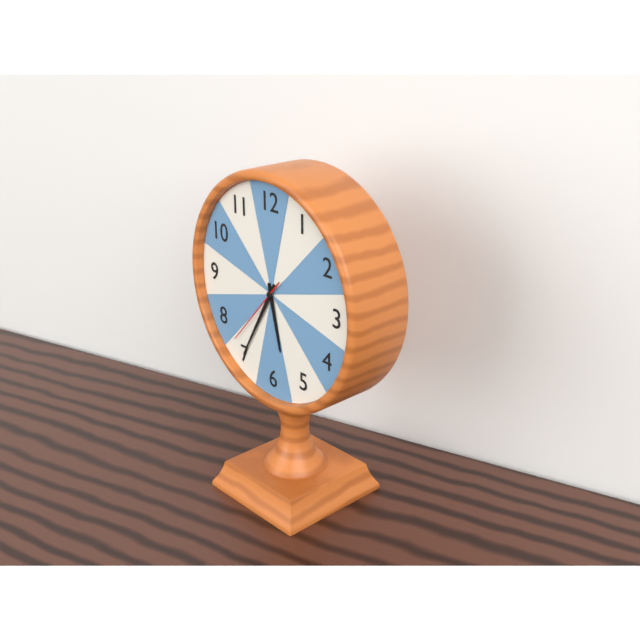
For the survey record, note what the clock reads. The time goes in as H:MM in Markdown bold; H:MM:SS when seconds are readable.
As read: **5:35:37**
